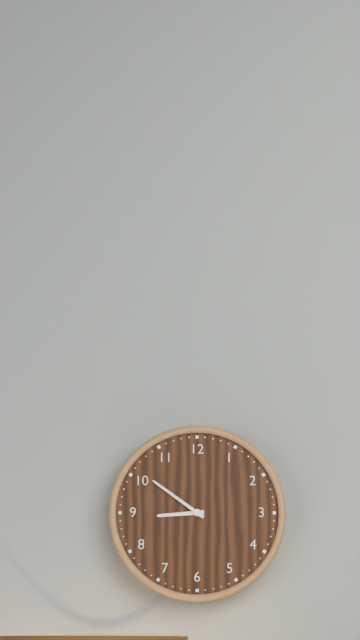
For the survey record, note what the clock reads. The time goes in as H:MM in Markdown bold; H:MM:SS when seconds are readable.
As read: **8:51**
